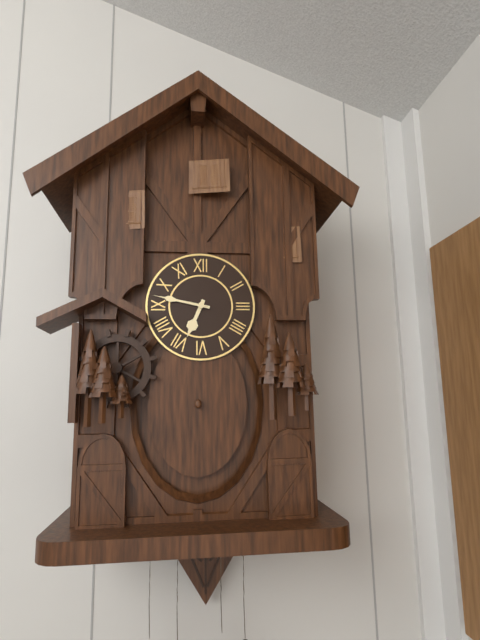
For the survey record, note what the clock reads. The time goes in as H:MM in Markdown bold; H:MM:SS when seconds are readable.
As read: **6:47**
